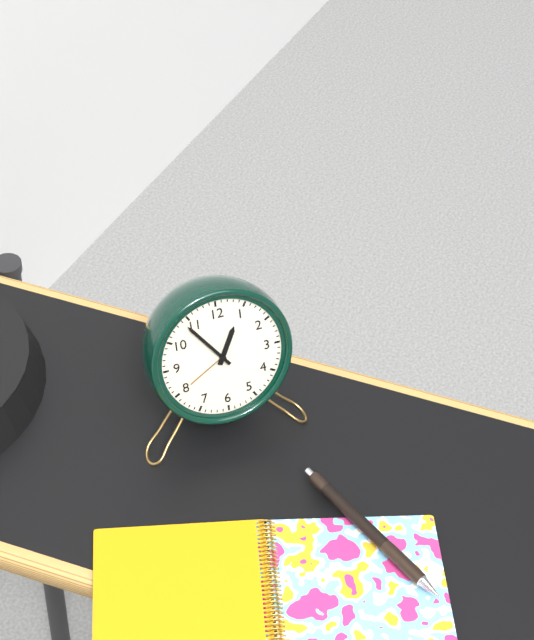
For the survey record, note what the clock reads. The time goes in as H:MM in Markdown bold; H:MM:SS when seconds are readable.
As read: **12:54**
